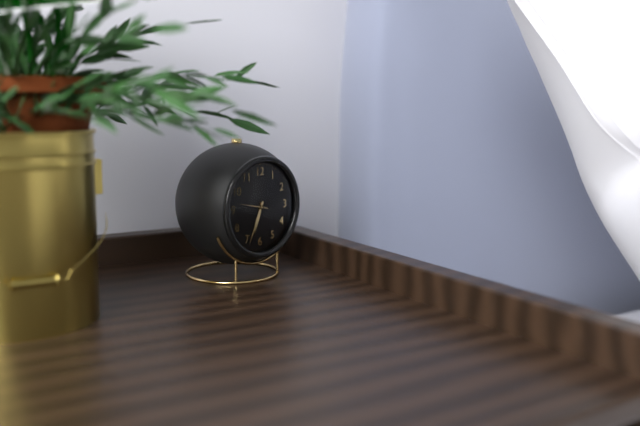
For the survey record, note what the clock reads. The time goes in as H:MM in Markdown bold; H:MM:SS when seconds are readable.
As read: **6:34**
